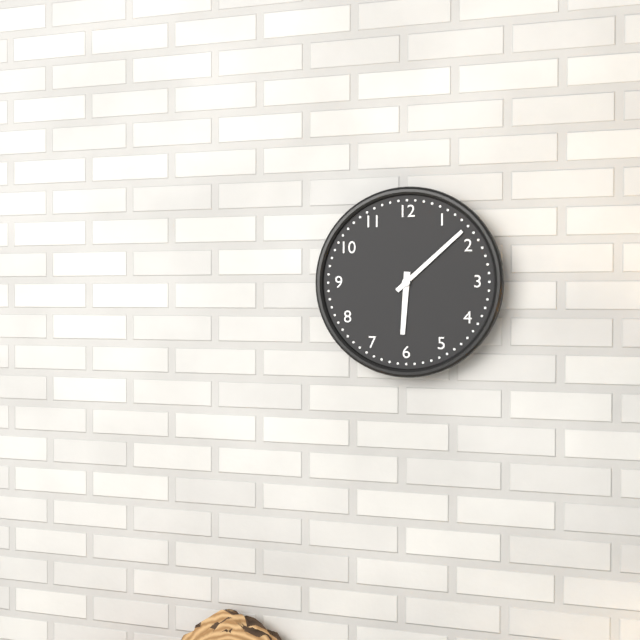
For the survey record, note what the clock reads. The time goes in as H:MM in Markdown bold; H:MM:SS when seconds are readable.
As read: **6:08**
